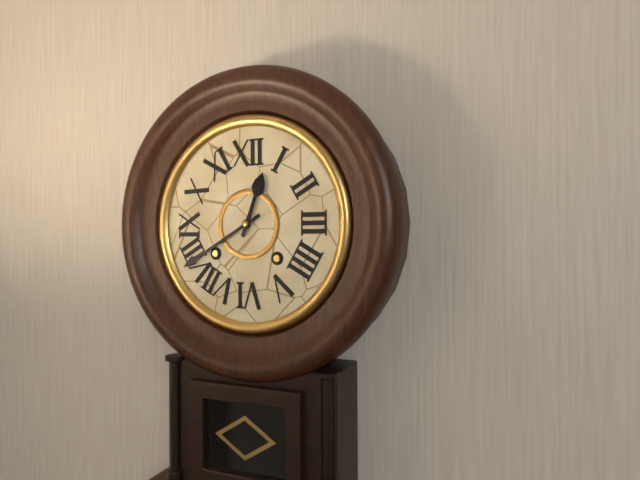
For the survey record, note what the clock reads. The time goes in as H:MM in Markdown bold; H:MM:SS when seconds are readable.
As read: **12:40**
